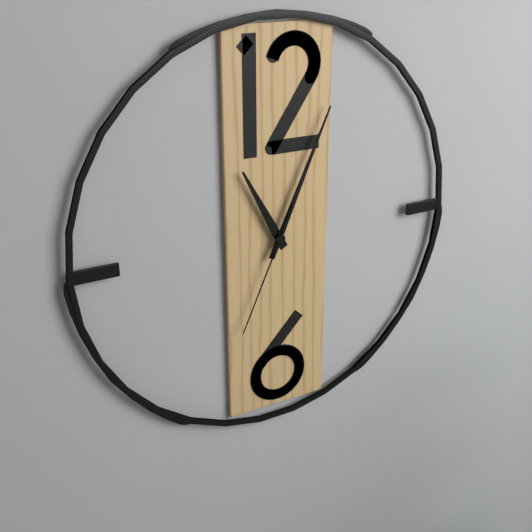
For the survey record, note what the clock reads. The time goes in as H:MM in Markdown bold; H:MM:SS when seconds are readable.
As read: **11:04:34**
